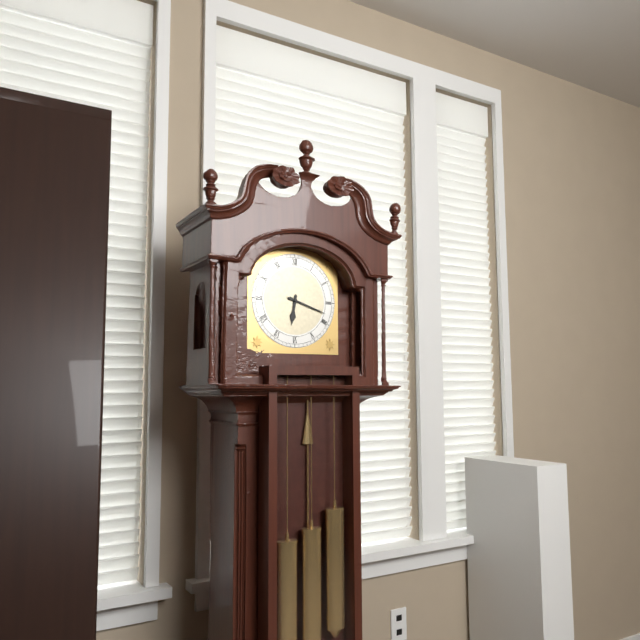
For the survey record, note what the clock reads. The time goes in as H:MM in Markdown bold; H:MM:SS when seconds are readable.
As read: **6:18**
